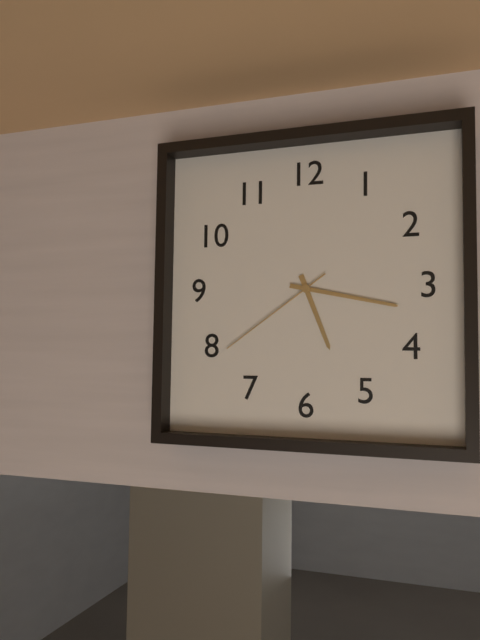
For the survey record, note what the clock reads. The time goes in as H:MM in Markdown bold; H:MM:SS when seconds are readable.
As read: **5:17:39**
